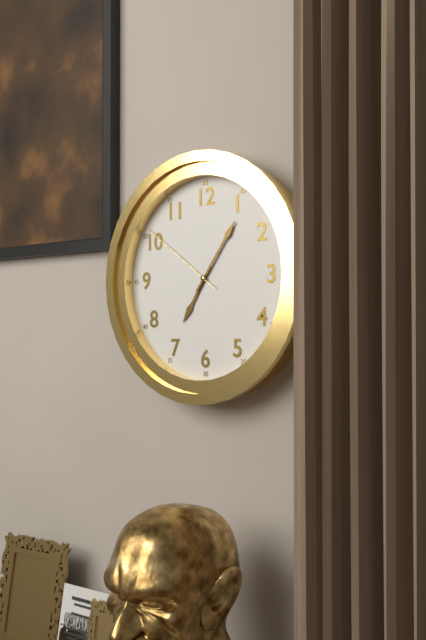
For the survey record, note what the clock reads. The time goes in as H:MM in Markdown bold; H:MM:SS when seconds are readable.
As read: **7:06:51**
